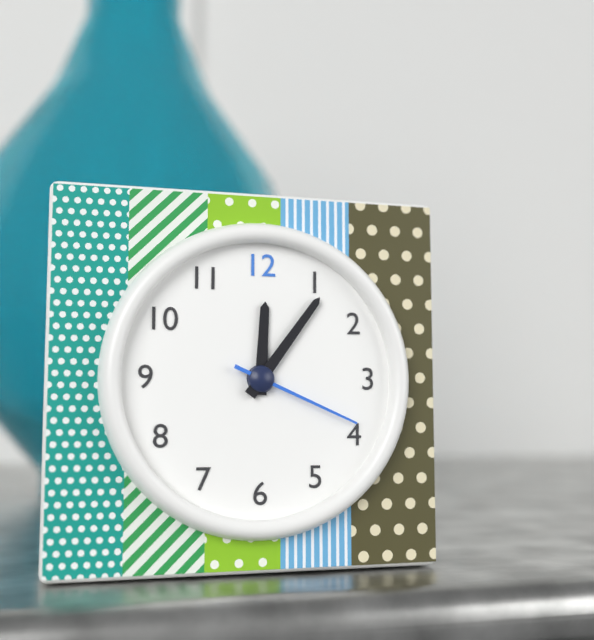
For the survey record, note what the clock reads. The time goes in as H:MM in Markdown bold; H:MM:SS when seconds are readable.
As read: **12:06:19**
